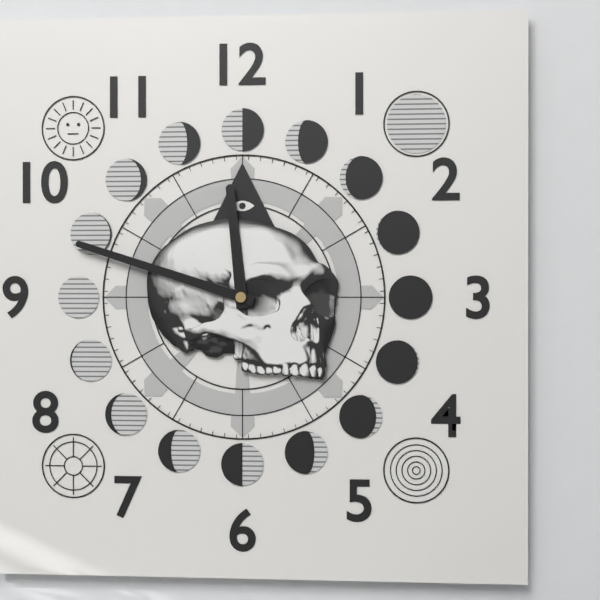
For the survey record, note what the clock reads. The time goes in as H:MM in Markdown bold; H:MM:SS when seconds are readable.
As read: **11:48**
